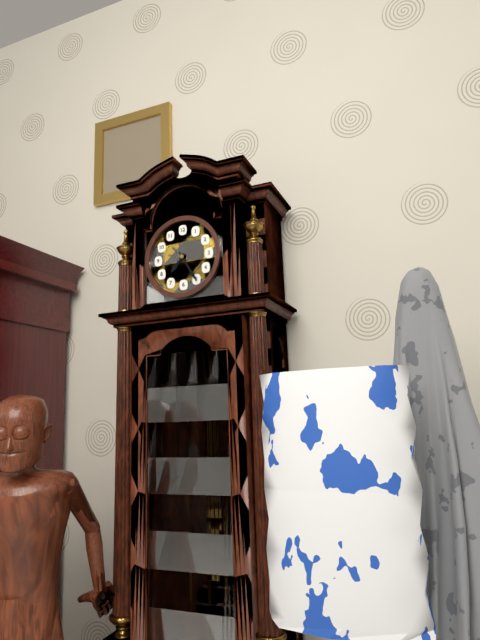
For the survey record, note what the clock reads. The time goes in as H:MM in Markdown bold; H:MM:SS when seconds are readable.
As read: **7:25**
